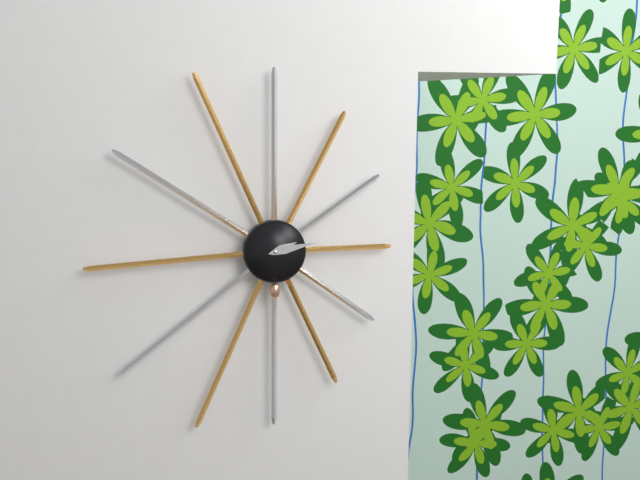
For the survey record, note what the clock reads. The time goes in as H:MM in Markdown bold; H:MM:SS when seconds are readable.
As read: **2:13**
